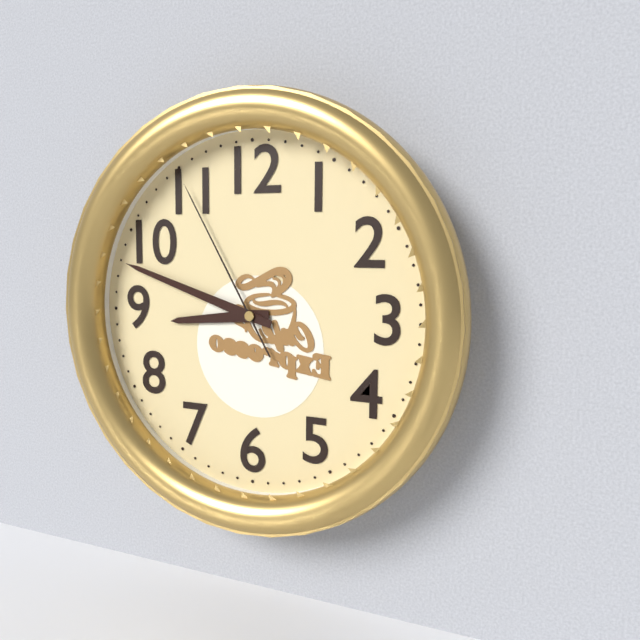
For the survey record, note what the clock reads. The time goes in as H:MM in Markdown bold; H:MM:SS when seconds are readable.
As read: **8:48:55**
